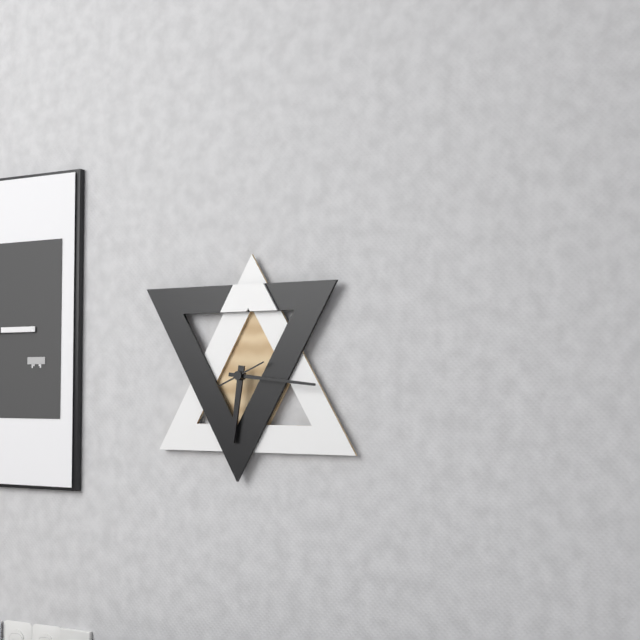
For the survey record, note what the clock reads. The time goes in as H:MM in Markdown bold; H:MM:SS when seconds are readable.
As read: **6:16**
